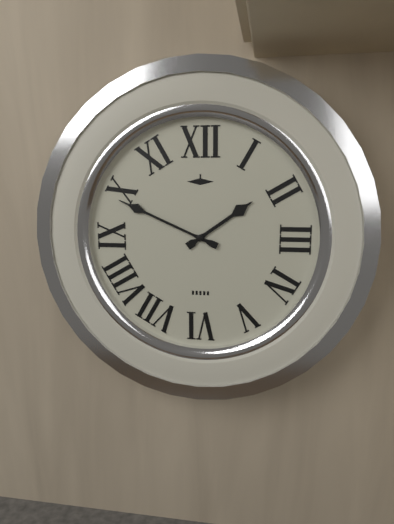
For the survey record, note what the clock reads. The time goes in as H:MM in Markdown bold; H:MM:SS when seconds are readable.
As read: **1:49**
